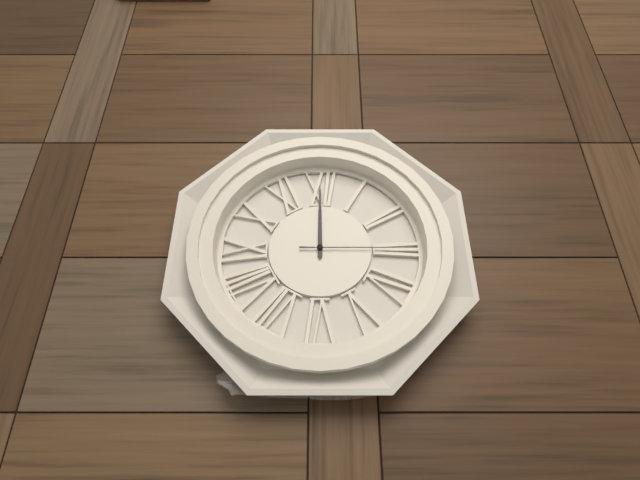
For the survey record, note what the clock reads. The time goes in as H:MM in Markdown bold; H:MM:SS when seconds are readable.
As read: **12:00:15**
